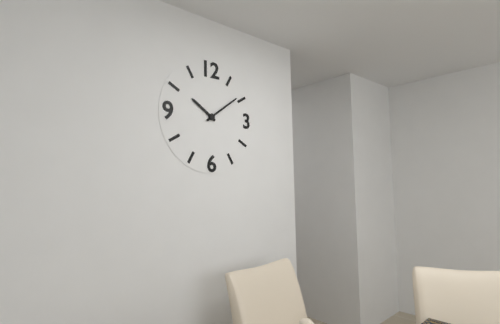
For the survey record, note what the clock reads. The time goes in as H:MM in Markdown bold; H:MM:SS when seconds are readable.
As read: **10:09**
